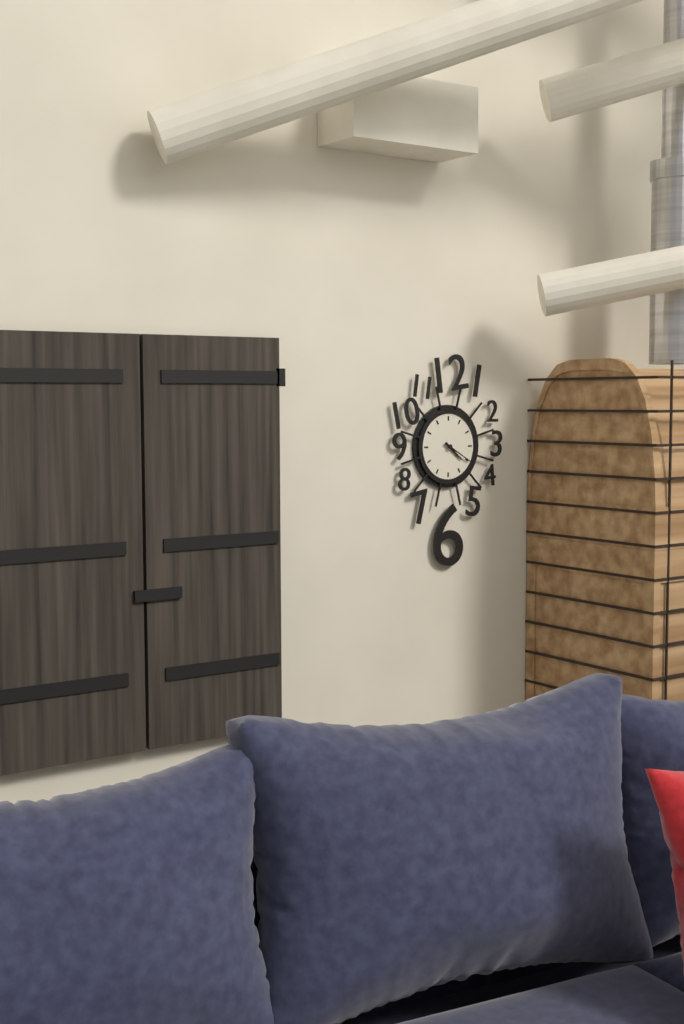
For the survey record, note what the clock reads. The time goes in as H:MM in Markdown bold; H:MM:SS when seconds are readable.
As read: **4:20**
